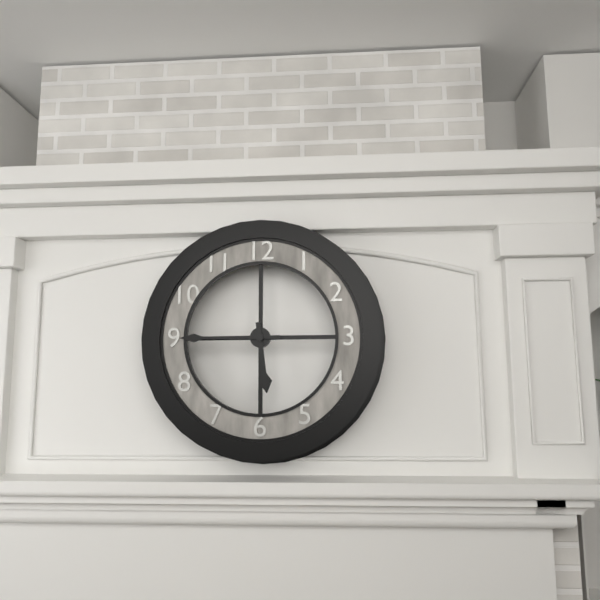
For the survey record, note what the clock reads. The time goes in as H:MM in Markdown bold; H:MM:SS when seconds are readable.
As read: **5:45**
